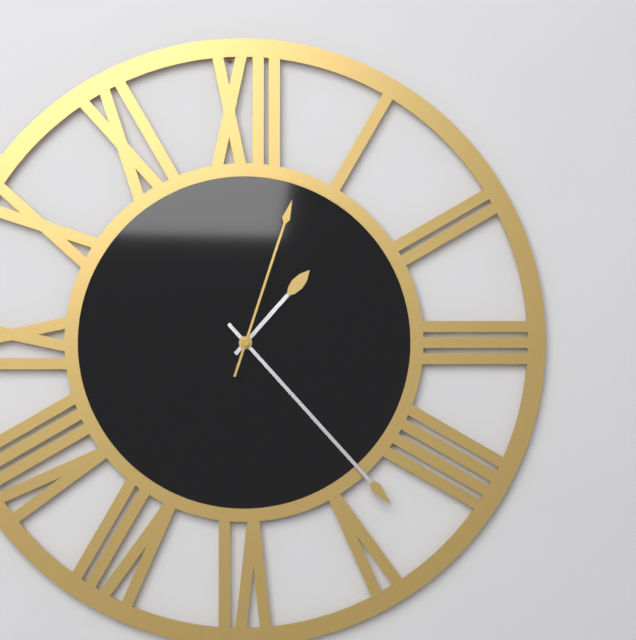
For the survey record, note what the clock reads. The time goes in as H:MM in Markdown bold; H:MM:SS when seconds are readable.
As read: **1:23:03**
